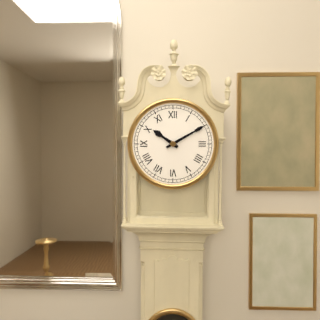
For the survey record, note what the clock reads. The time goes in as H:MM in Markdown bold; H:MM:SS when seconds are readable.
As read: **10:10**
